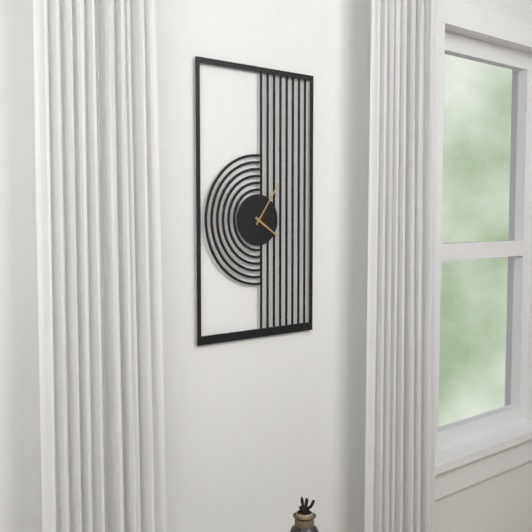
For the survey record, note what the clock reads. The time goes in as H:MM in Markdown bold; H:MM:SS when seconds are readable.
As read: **4:06**
